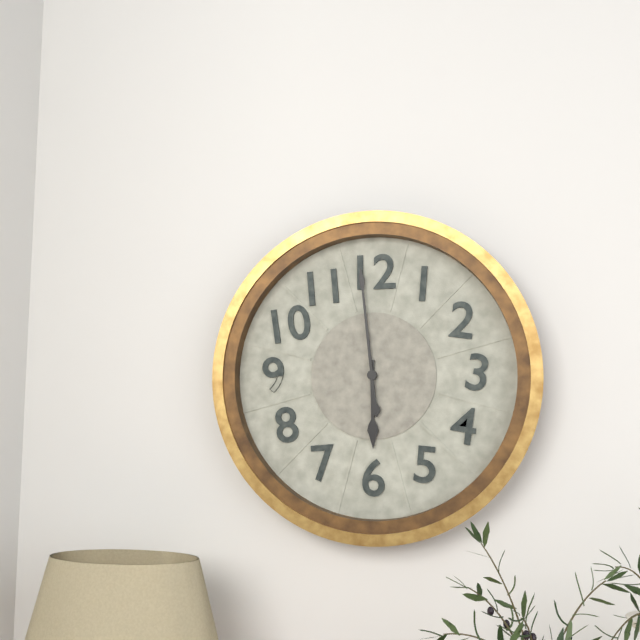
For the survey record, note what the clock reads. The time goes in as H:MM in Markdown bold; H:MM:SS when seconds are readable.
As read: **5:59**
